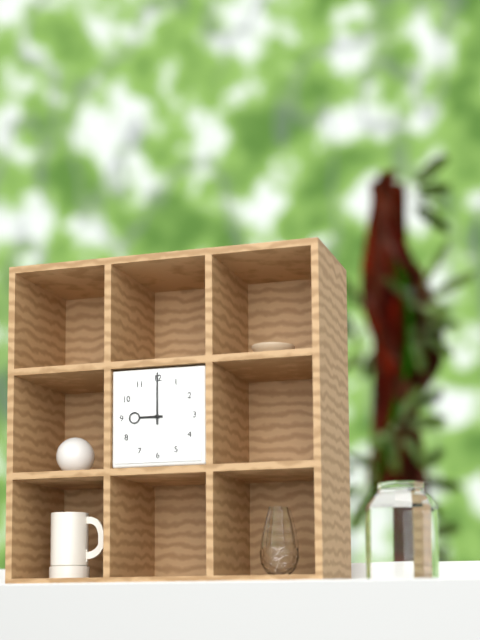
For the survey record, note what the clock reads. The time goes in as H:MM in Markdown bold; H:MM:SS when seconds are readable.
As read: **9:00**
